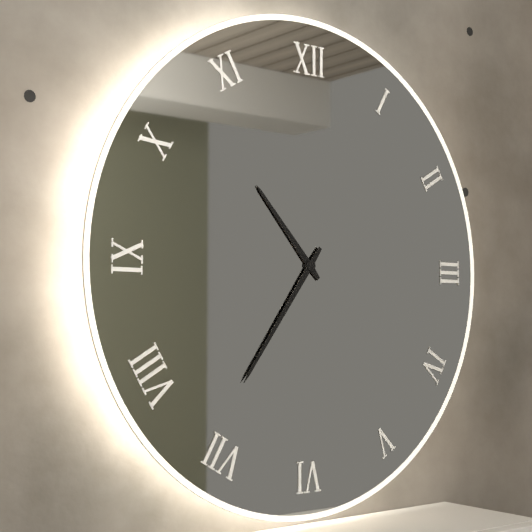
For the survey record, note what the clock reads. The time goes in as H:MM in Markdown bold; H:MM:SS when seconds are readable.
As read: **10:36**
